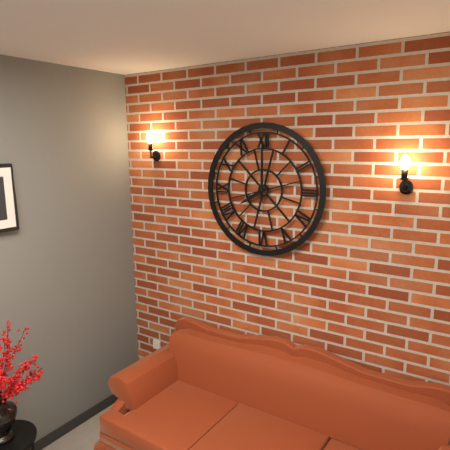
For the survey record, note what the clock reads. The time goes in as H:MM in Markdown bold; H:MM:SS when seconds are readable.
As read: **8:00**
